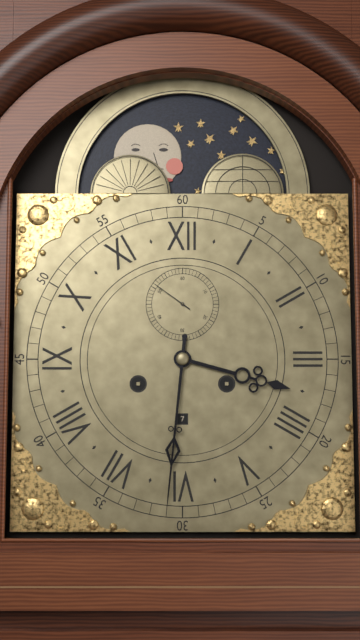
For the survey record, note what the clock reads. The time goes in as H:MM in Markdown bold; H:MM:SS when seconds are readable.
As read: **3:31**
